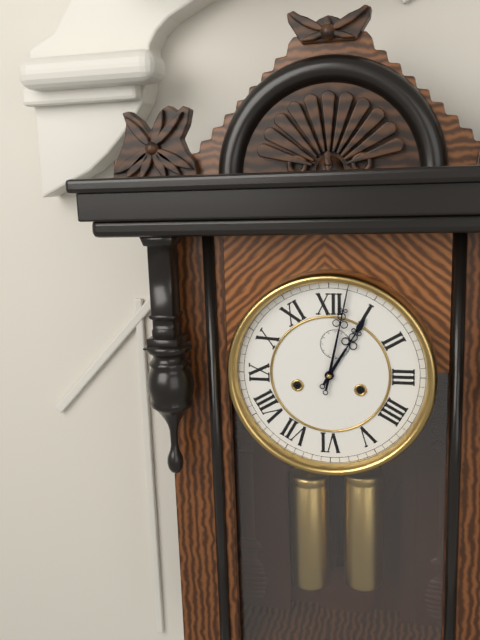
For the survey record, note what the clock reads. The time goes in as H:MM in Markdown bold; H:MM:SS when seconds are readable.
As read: **1:02**
